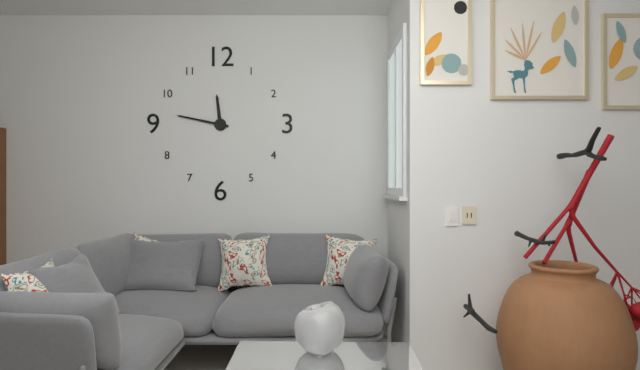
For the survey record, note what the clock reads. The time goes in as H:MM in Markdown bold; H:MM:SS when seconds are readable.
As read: **11:47**
